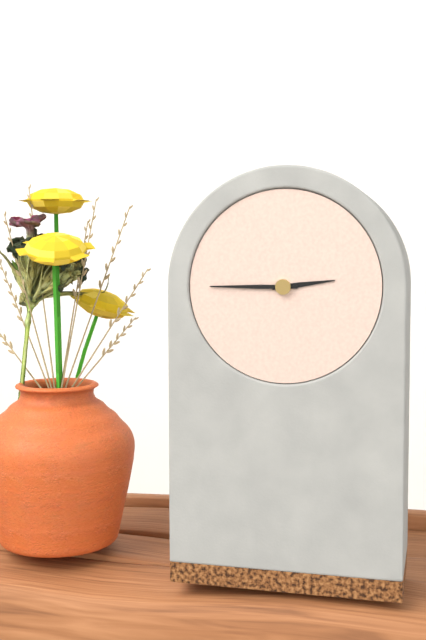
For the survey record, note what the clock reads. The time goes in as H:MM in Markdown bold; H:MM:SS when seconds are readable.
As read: **2:45**
